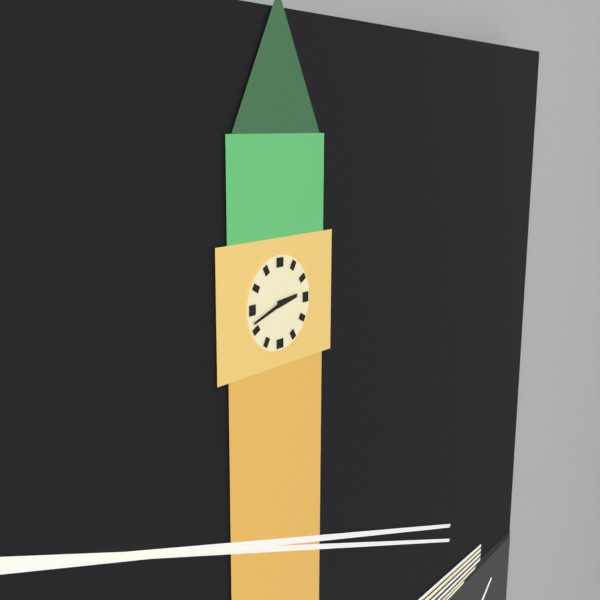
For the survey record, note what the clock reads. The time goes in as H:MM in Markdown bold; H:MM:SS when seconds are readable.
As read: **2:42**
